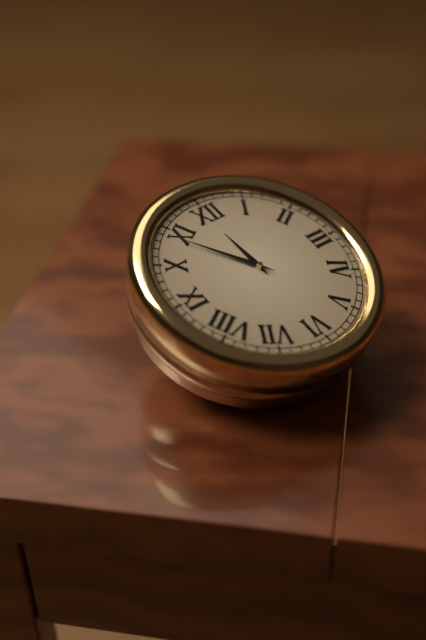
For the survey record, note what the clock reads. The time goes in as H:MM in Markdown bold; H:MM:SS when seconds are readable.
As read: **11:54**
